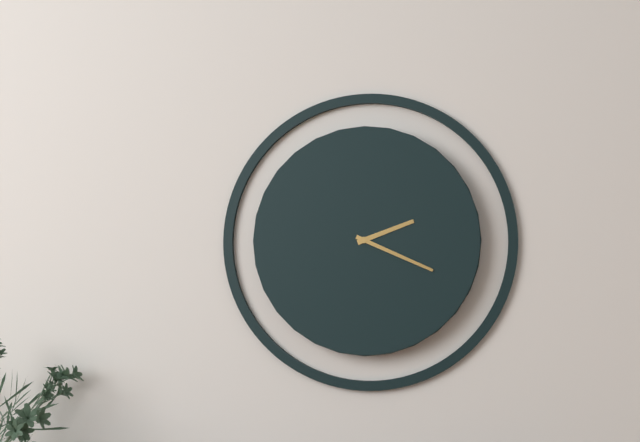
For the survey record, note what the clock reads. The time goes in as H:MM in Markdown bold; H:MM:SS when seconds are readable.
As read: **2:19**
